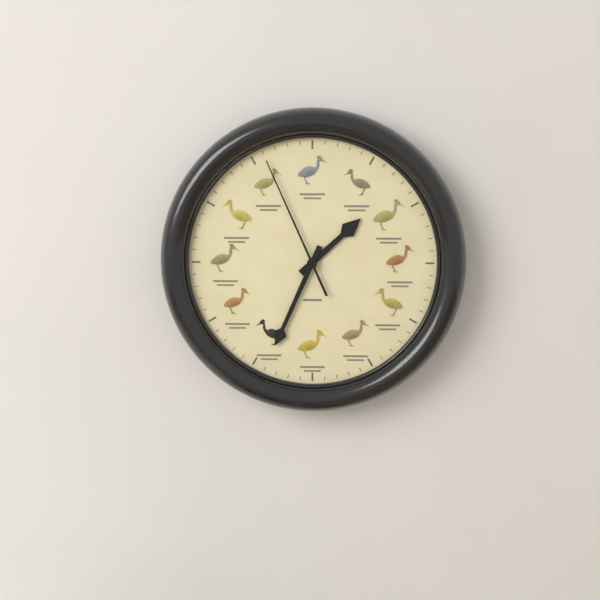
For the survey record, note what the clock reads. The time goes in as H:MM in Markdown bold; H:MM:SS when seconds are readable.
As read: **1:34:56**
